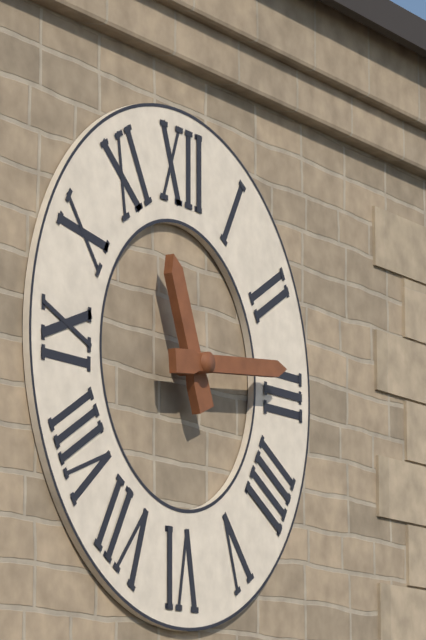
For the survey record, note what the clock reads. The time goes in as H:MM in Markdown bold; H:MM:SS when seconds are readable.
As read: **11:14**
